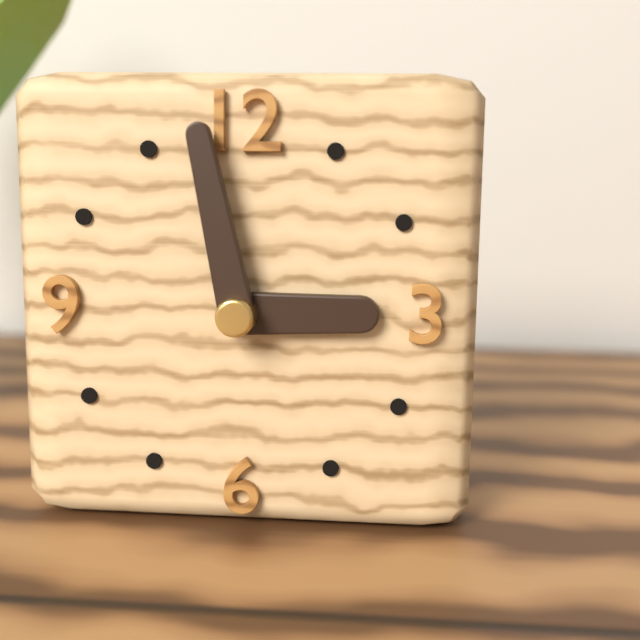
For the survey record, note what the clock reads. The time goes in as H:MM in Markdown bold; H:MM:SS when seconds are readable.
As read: **2:58**
